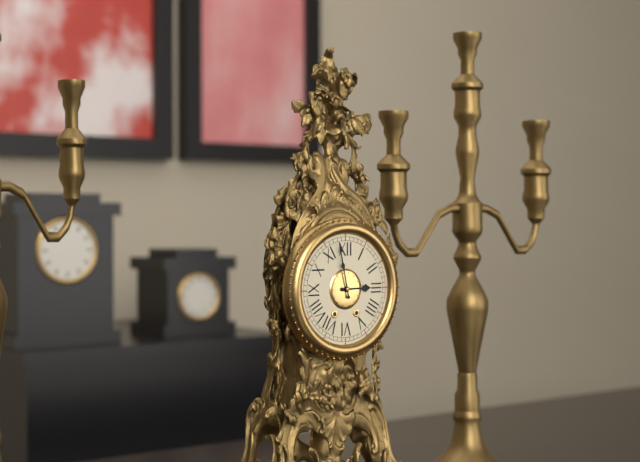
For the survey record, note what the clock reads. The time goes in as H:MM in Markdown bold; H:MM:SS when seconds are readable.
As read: **2:58**
